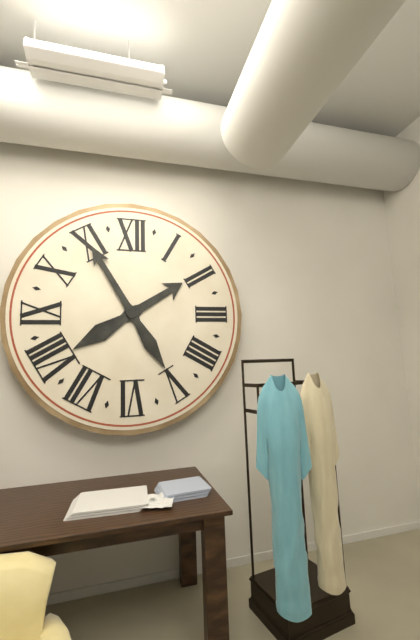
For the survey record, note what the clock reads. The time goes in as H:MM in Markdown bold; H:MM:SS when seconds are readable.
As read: **1:55**
